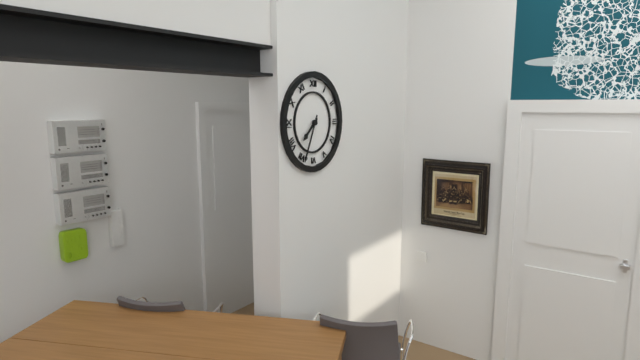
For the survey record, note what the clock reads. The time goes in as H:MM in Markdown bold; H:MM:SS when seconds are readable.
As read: **7:34**
